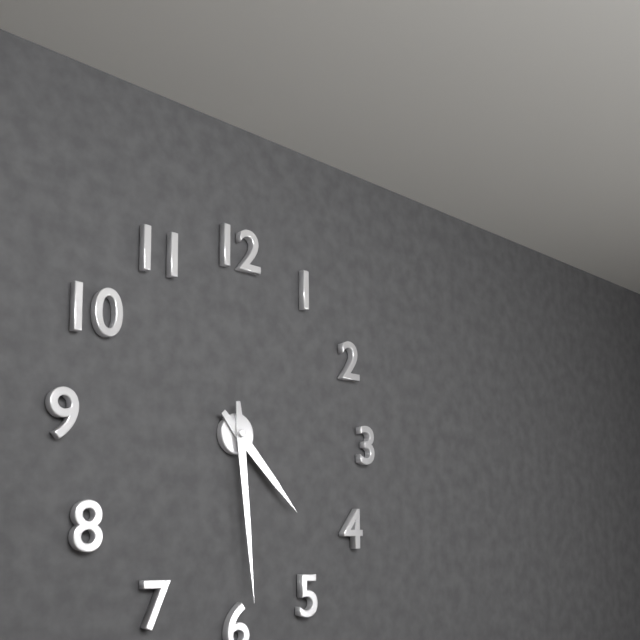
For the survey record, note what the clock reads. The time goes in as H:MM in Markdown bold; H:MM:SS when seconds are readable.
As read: **4:29**
